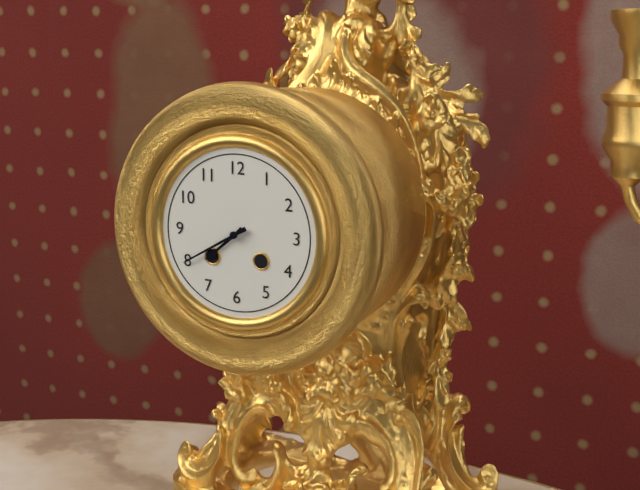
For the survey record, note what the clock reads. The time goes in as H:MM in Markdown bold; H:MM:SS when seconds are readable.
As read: **7:40**
